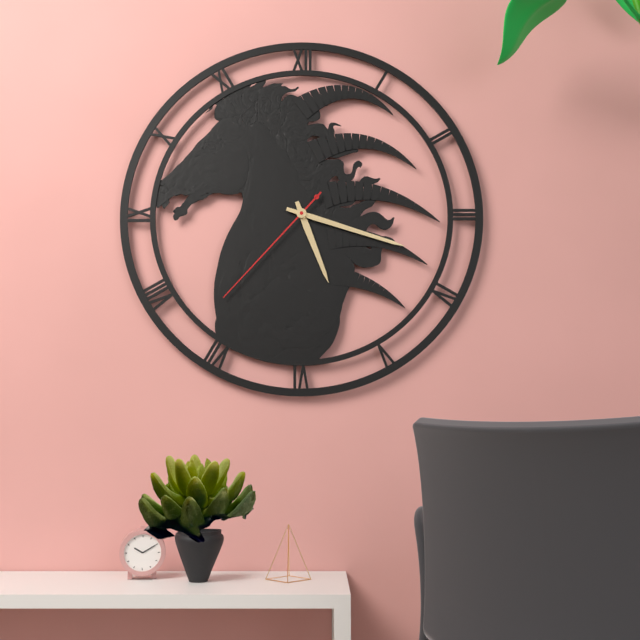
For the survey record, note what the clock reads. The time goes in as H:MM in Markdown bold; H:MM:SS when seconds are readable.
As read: **5:18:37**
